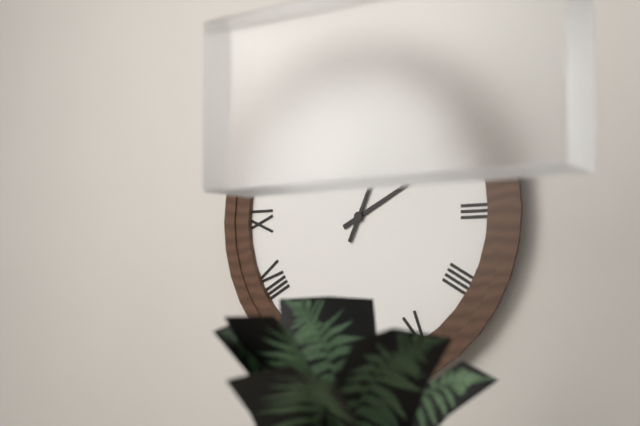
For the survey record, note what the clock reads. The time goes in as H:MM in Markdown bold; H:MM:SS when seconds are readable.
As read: **2:04**
